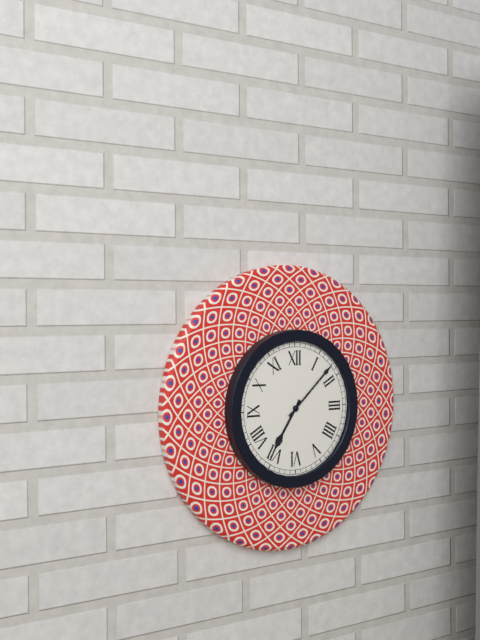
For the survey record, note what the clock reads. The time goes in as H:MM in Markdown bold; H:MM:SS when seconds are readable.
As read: **7:08**
